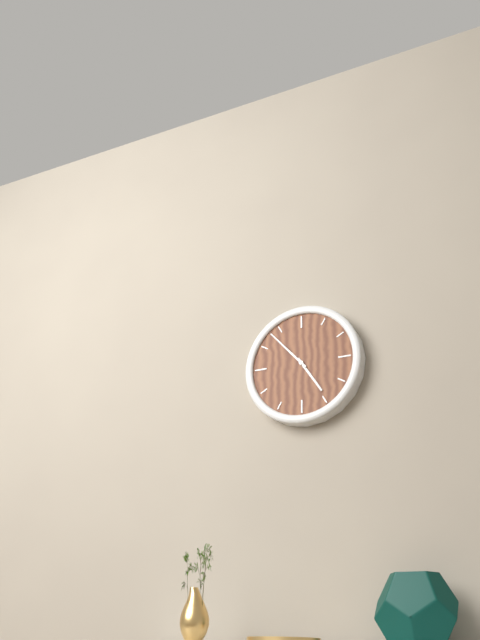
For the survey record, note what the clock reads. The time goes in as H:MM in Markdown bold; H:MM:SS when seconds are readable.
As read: **4:53**
